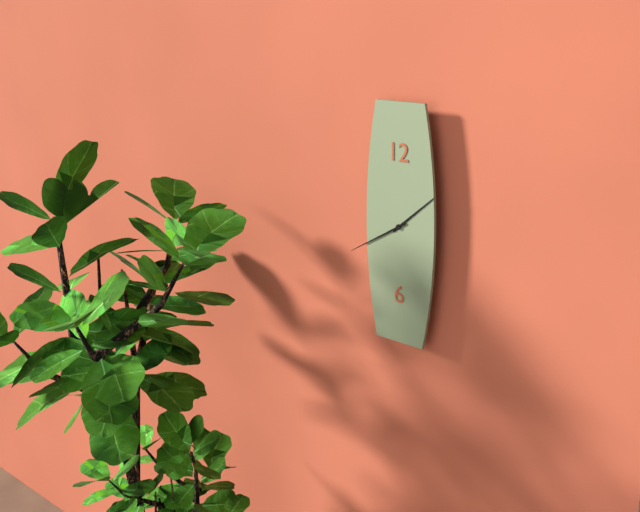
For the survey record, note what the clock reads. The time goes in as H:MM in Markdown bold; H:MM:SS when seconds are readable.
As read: **1:40**
